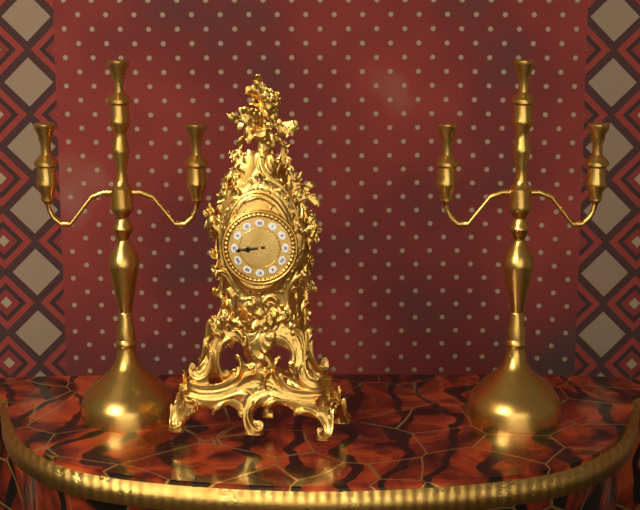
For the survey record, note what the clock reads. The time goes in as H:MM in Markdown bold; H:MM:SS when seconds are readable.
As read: **8:44**
